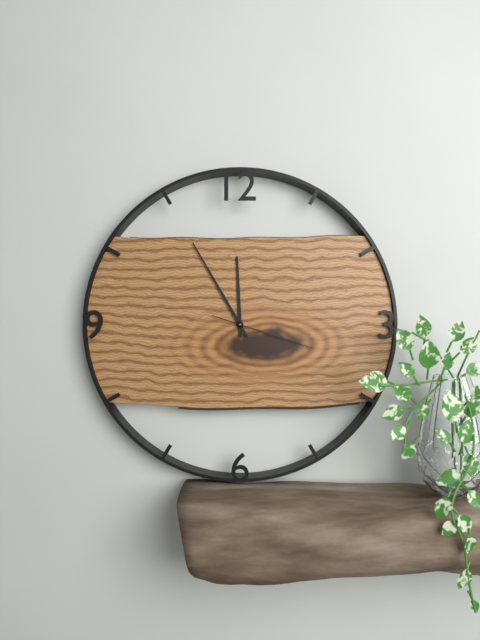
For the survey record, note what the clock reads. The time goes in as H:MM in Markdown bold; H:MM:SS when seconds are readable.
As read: **11:55:18**
